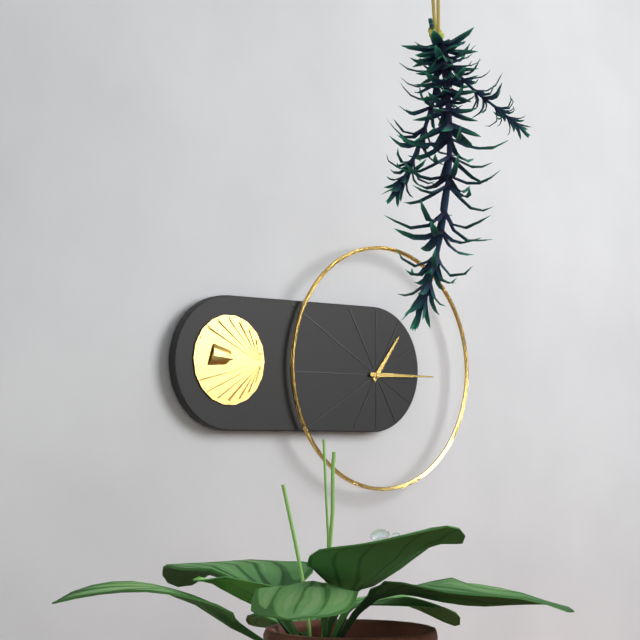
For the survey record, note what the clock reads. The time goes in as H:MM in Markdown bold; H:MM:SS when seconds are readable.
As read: **1:15**
